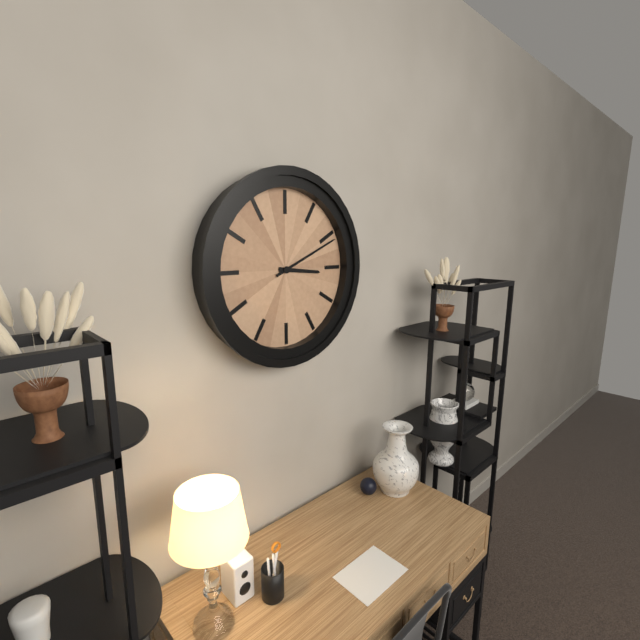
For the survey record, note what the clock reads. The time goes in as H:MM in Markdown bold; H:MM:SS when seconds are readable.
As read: **3:11**
